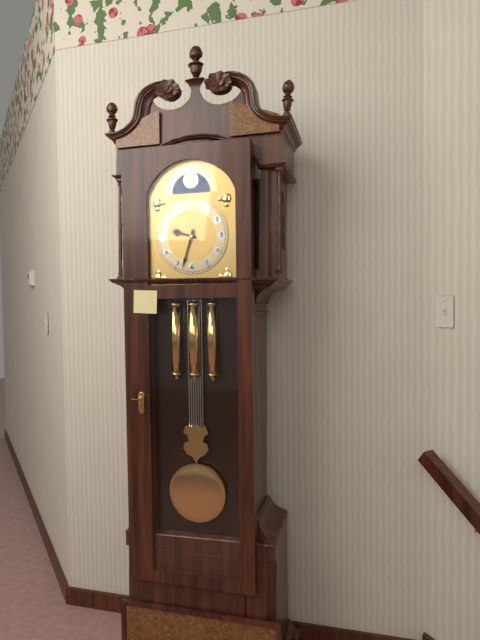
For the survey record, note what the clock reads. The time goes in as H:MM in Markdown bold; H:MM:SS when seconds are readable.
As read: **9:33**
